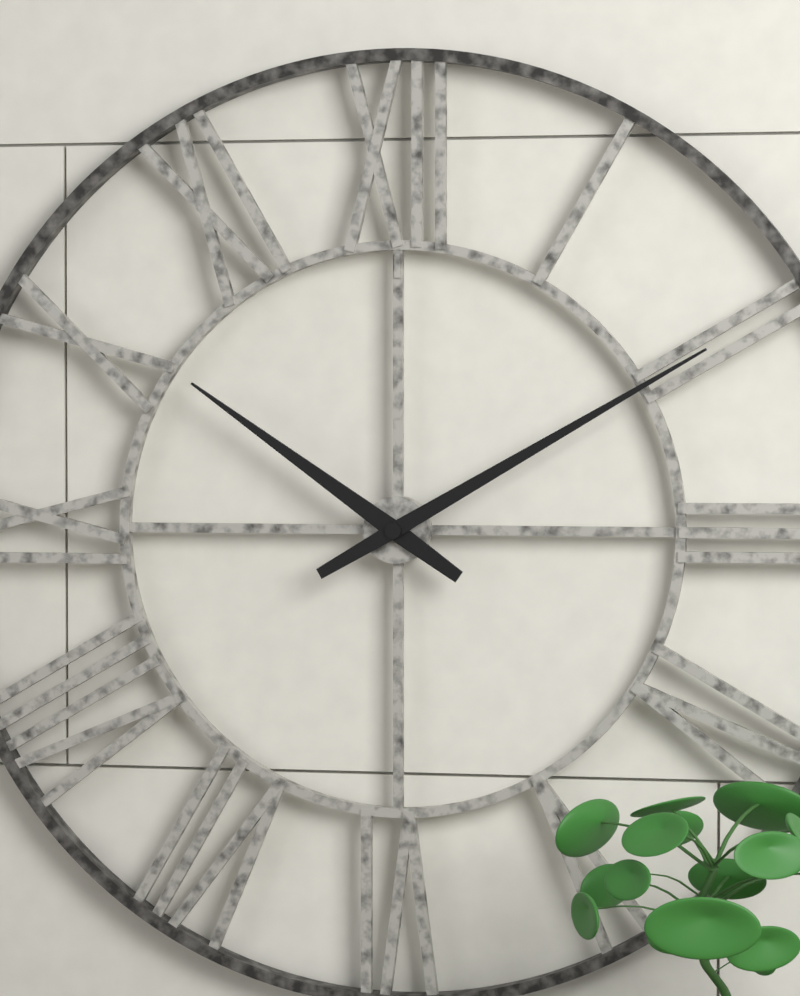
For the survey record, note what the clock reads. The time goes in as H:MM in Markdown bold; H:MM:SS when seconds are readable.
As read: **10:10**
